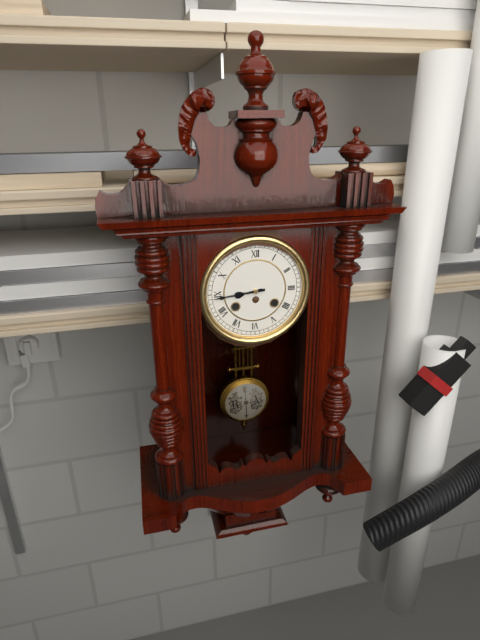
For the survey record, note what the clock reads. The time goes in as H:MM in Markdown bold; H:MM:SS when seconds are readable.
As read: **8:44**
